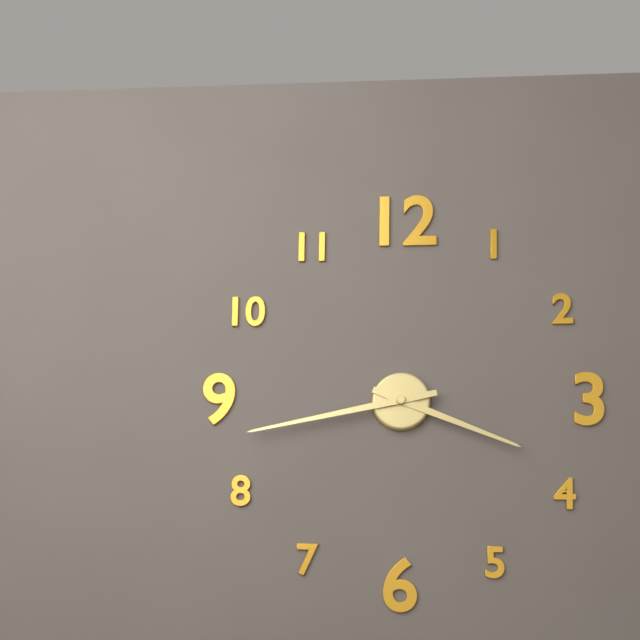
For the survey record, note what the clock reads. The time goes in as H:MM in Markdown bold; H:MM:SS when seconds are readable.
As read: **3:43**
